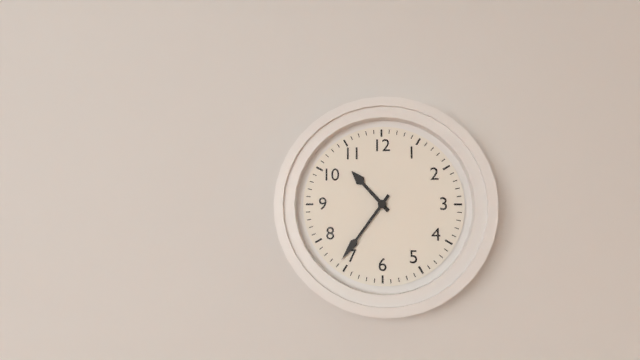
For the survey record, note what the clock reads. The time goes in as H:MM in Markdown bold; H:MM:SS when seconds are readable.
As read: **10:36**
